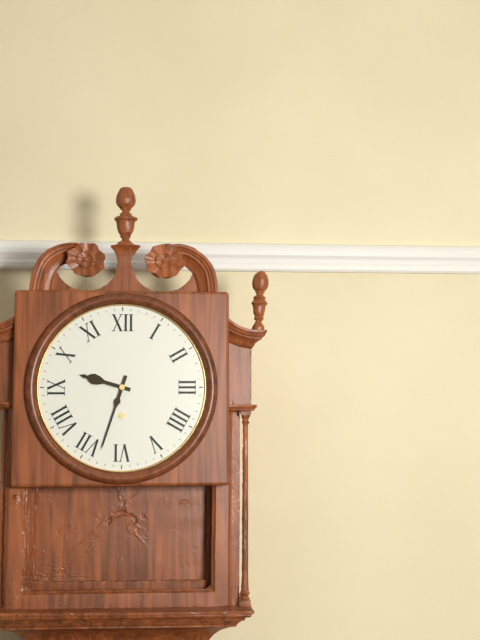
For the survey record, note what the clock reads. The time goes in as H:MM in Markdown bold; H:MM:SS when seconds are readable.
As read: **9:33**
